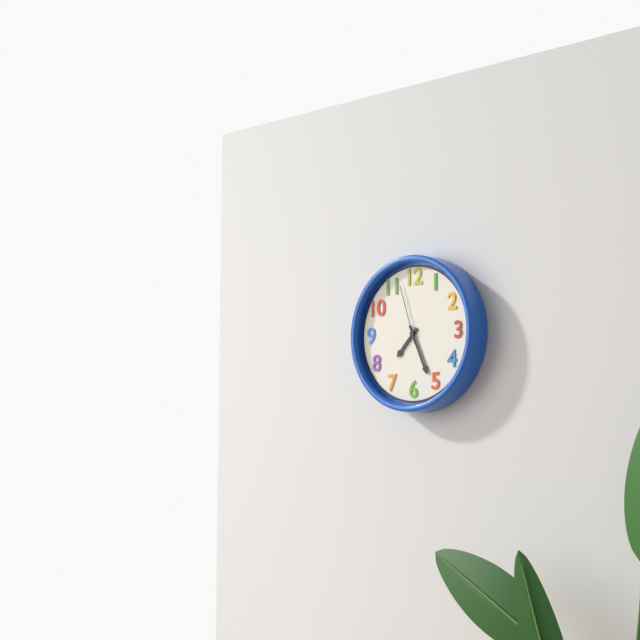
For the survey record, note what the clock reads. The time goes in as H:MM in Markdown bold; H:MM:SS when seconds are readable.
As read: **7:26:57**
